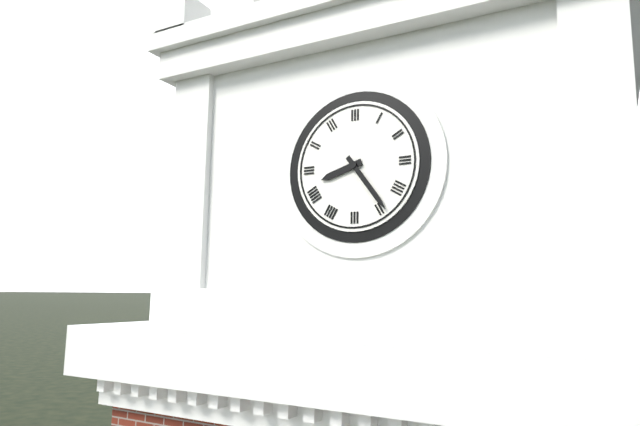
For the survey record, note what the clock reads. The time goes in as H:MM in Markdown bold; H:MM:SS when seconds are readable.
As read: **8:24**
